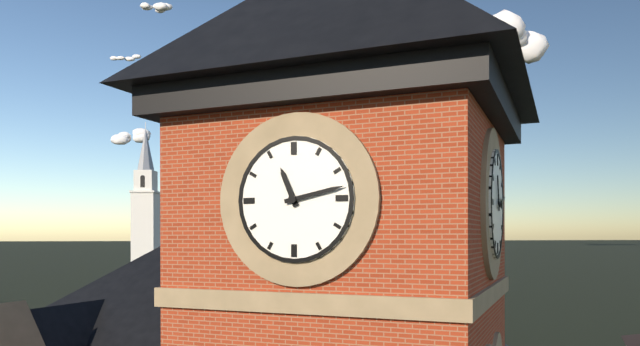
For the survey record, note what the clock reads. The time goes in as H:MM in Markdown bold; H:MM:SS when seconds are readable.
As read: **11:13**
